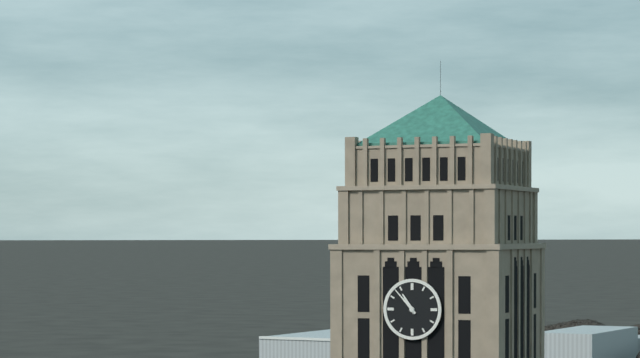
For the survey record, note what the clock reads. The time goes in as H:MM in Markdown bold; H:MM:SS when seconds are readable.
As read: **10:53**
